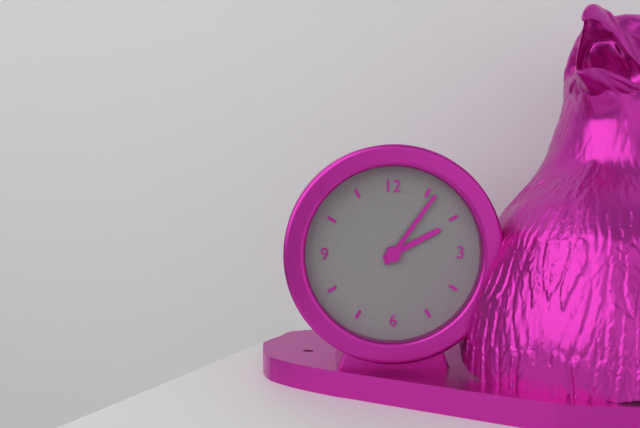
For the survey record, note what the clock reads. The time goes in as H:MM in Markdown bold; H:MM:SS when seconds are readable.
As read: **2:06**
